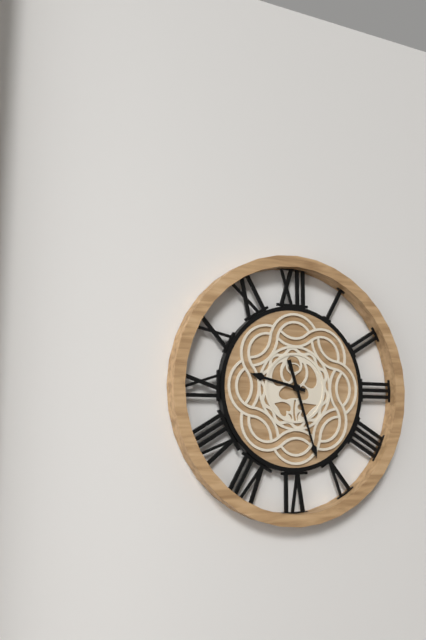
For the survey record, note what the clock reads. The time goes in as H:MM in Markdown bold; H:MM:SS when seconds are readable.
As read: **9:27**
